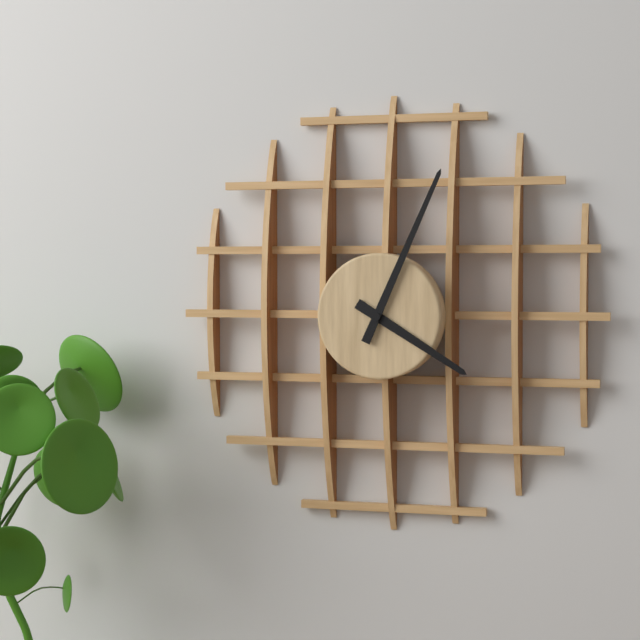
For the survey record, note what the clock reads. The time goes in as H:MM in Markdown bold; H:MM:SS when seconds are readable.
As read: **4:04**
